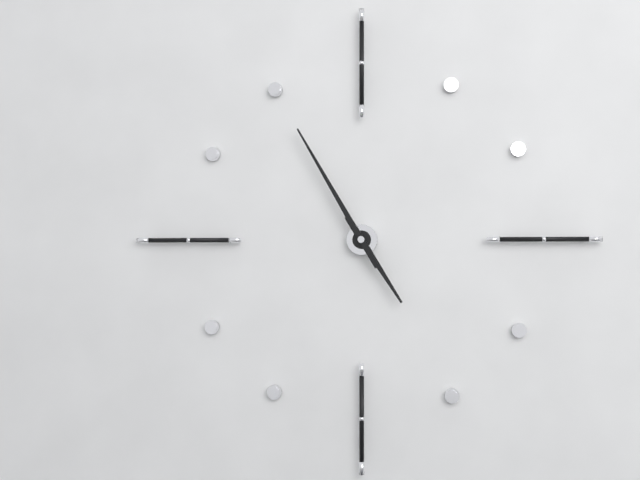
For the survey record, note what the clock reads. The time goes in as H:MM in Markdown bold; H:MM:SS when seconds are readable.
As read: **4:55**
